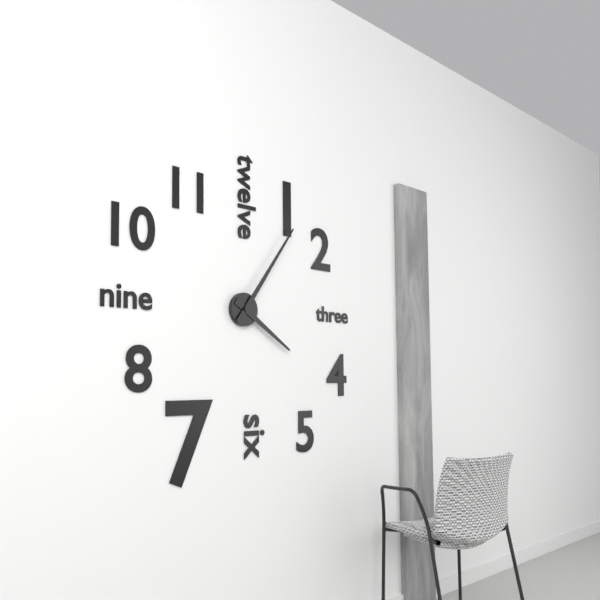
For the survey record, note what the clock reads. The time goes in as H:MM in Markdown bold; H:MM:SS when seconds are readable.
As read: **4:06**
